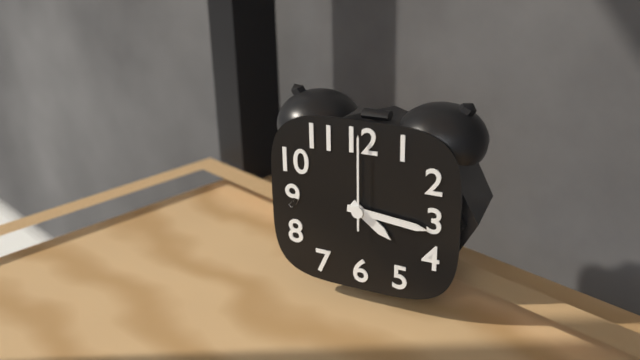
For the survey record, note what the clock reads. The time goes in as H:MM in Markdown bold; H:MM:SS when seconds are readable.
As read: **4:16:00**
